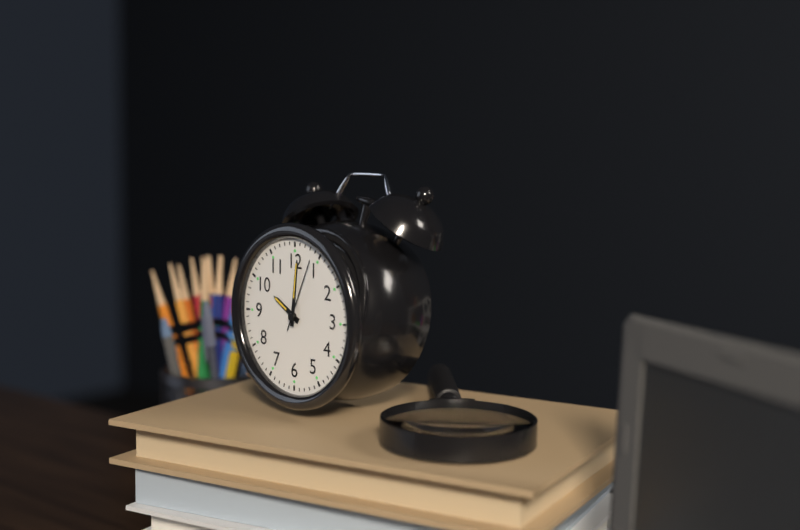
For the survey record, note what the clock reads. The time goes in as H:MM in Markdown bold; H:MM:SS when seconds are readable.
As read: **10:01:04**
